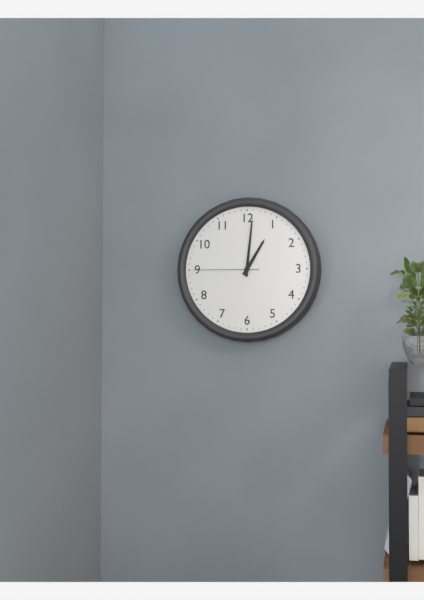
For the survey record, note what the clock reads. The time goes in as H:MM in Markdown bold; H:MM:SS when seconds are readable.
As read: **1:01:45**
